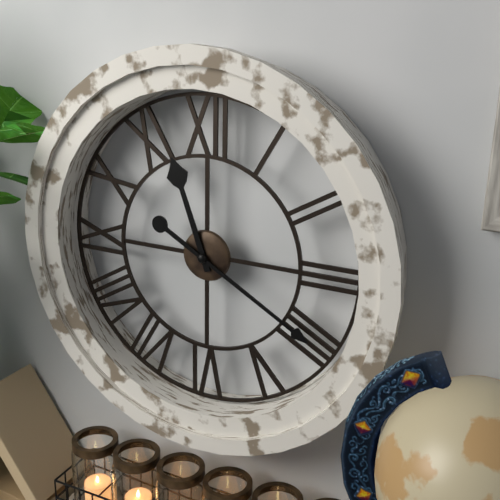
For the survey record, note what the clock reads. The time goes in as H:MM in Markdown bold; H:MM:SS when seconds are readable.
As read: **11:20**
